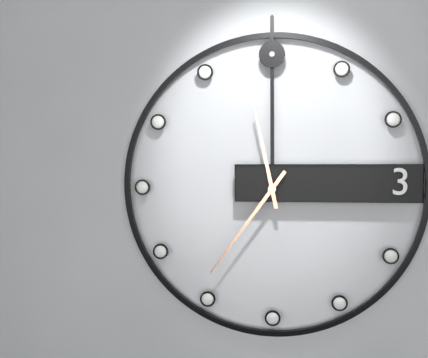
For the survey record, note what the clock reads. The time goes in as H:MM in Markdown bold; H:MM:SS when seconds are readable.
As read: **11:36**
